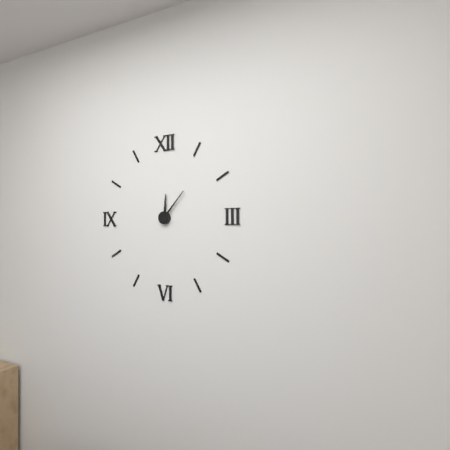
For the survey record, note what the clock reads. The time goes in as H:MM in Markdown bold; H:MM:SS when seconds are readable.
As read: **12:07**
